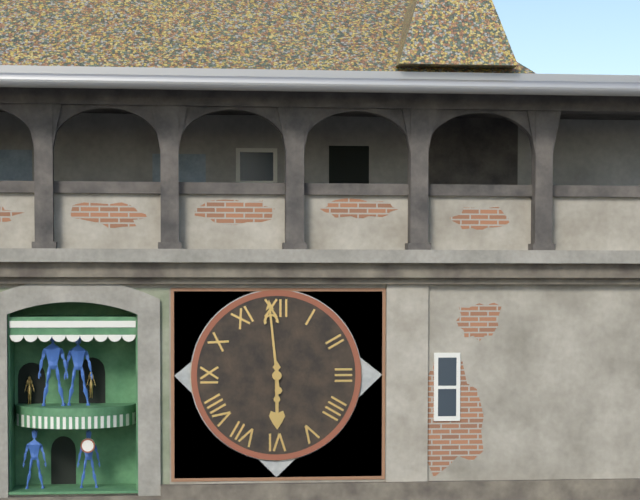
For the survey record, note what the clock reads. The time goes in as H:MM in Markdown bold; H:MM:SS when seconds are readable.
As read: **5:59**
